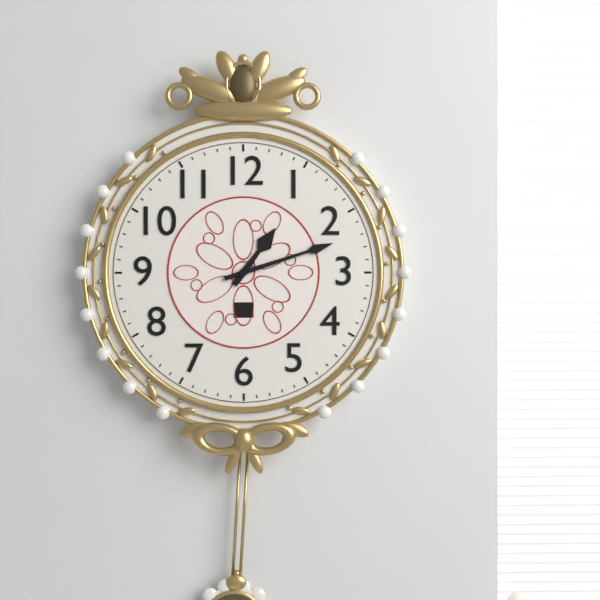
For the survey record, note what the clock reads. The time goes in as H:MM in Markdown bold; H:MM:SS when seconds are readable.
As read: **1:12**
